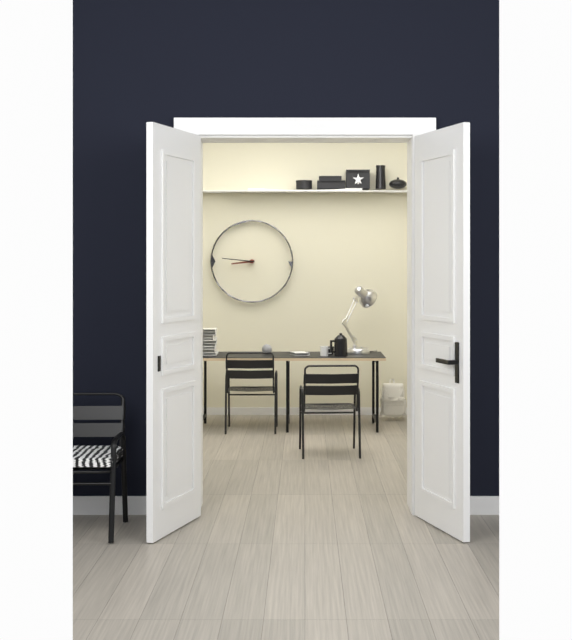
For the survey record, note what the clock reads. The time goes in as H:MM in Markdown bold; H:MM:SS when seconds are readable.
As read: **8:46**
